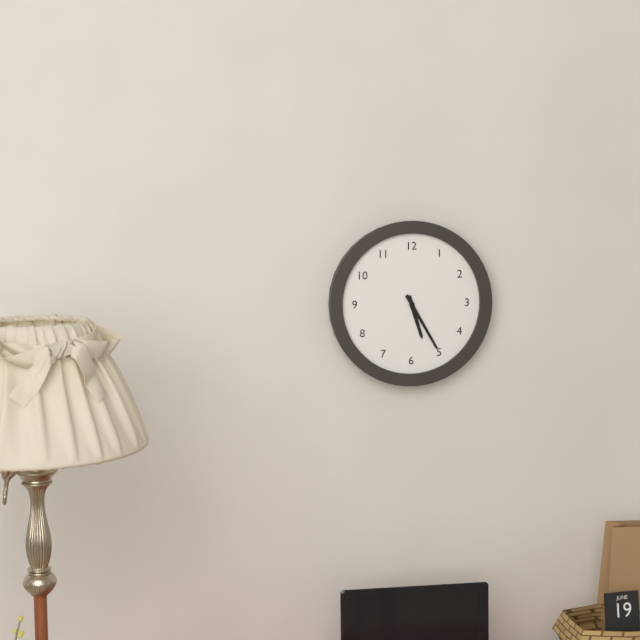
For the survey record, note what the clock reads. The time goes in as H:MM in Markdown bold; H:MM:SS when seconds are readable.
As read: **5:25**
